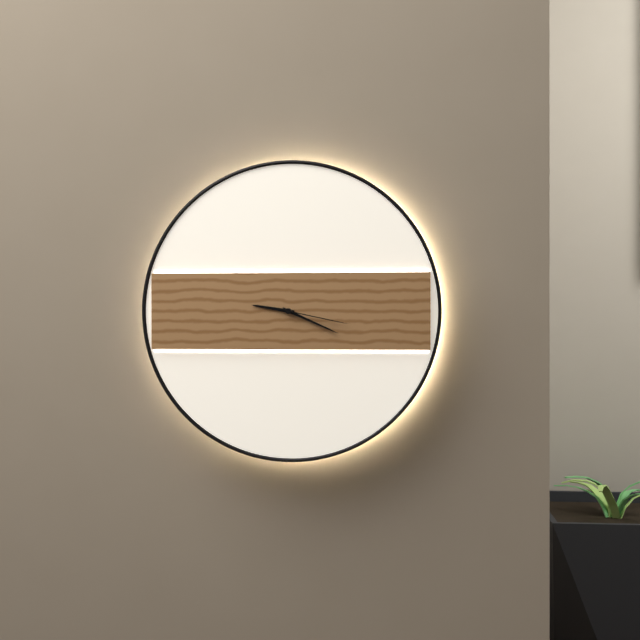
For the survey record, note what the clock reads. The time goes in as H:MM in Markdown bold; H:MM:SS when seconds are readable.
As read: **9:19:17**
